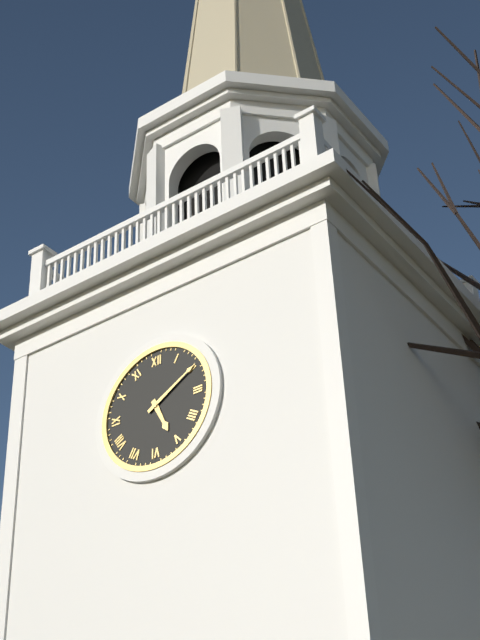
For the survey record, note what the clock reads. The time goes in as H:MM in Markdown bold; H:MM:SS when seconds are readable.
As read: **5:10**
